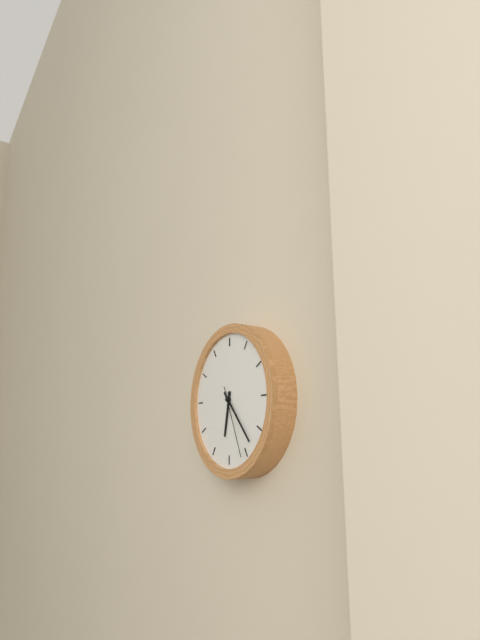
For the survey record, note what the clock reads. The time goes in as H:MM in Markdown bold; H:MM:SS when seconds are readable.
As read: **6:23:26**
